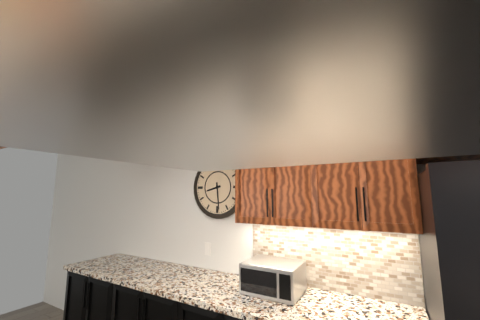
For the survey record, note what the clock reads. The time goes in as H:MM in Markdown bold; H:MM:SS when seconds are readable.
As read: **8:29**
